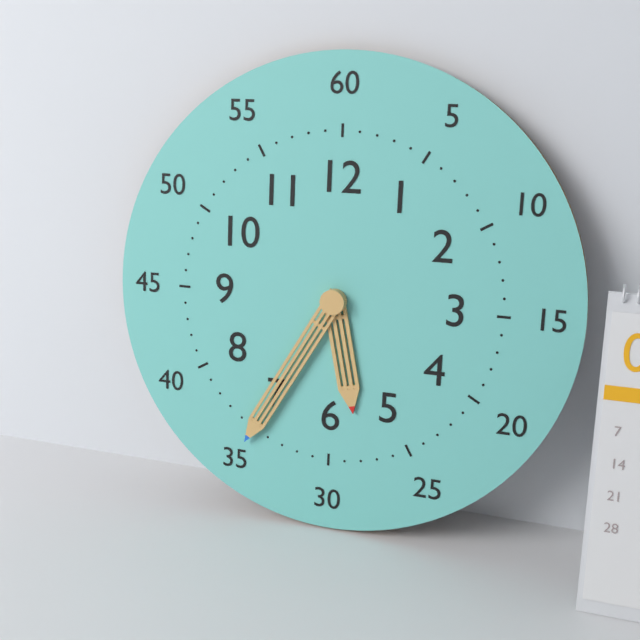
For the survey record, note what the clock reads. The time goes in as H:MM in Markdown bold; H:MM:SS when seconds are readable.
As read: **5:35**
